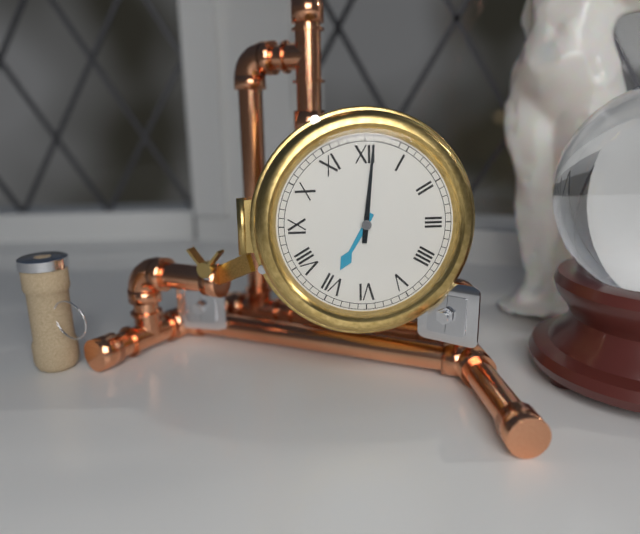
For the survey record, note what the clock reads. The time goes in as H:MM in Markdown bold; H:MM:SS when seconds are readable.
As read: **7:01**
